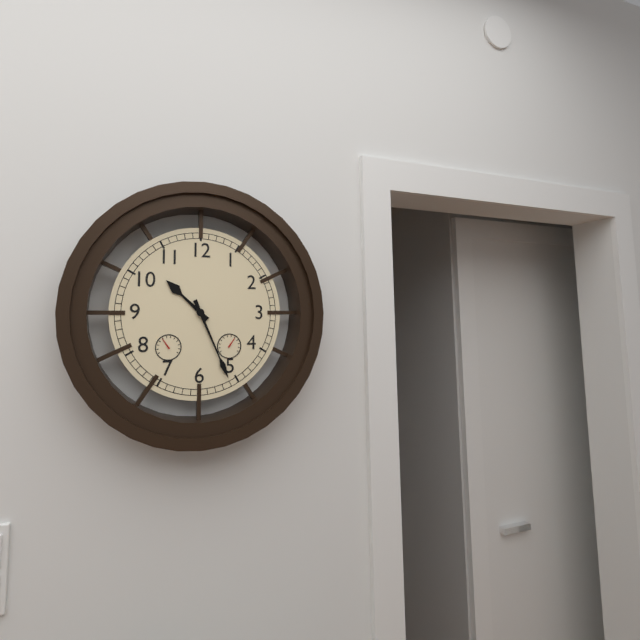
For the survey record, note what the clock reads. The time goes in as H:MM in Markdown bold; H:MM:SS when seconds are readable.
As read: **10:26**
